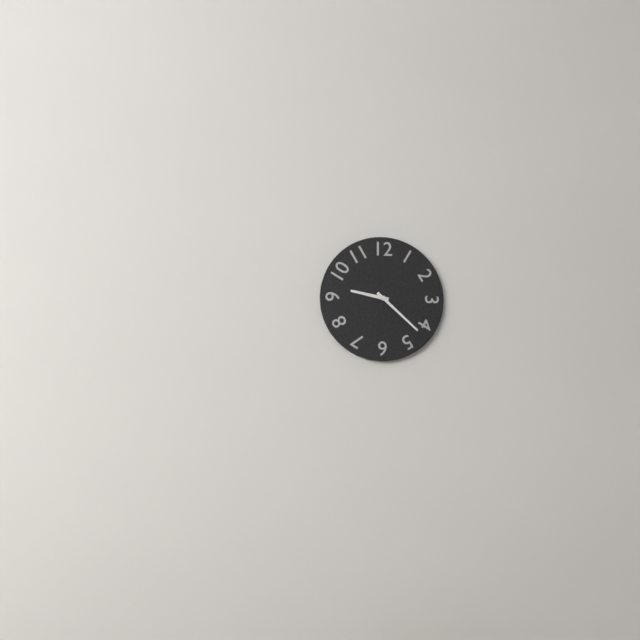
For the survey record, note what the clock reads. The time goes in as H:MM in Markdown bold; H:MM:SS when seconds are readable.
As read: **9:22**
